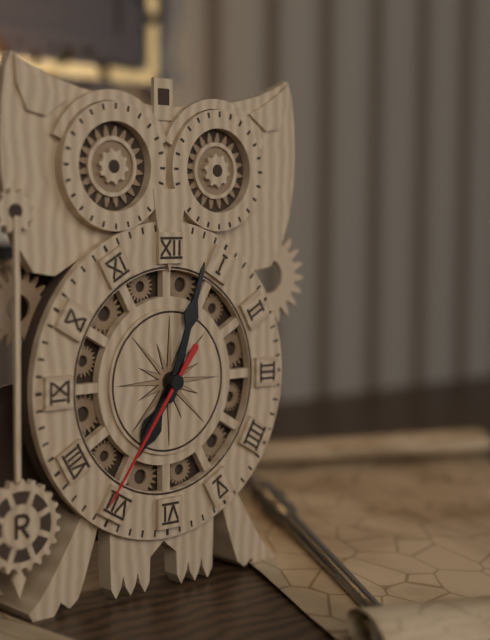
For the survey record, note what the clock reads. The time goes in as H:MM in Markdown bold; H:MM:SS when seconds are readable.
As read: **7:03:36**
